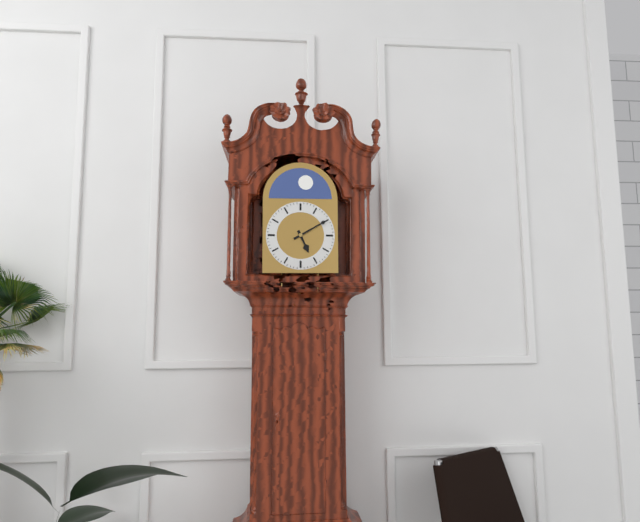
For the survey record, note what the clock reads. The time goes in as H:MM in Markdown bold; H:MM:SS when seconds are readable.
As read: **5:10**
